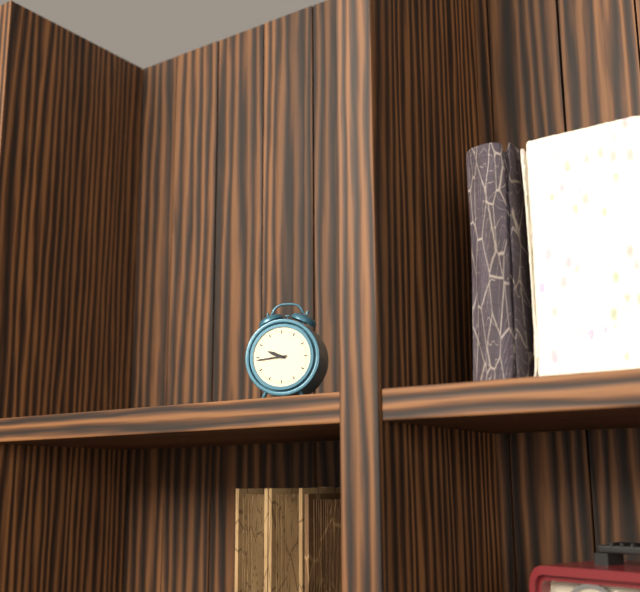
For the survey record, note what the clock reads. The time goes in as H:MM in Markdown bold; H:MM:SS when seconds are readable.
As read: **9:44**
